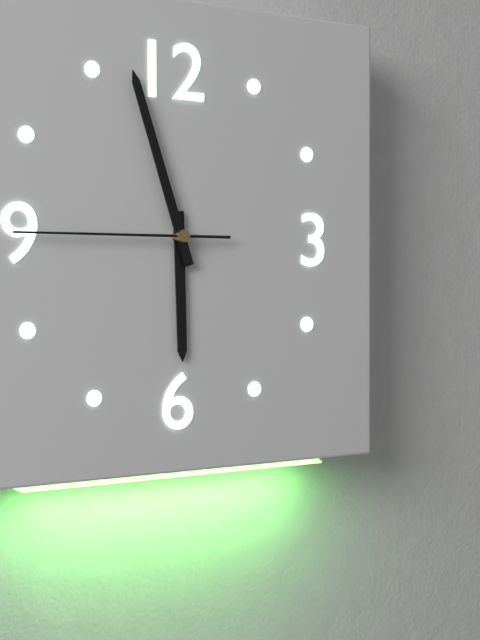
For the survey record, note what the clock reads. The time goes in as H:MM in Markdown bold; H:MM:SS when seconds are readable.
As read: **5:57:45**
